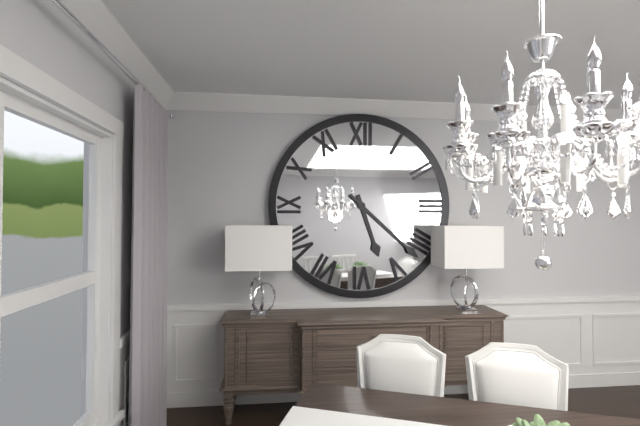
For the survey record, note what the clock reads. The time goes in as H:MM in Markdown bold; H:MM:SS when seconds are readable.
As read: **5:22**
